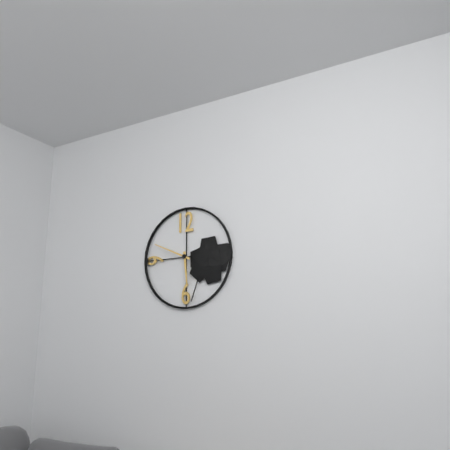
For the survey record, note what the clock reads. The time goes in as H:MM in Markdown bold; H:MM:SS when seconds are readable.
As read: **5:49**
